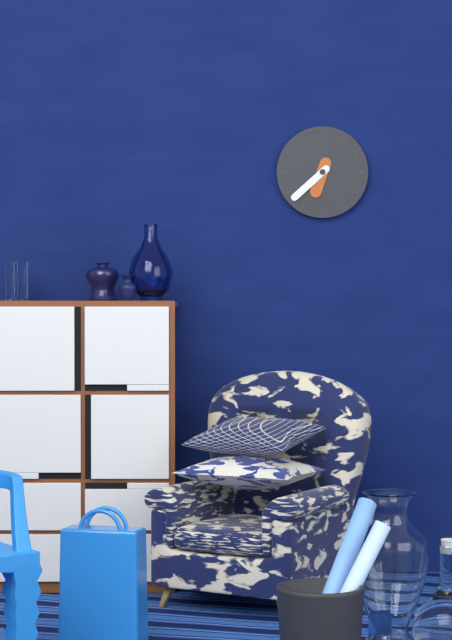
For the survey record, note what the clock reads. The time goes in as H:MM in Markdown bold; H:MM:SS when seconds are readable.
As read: **6:38**
